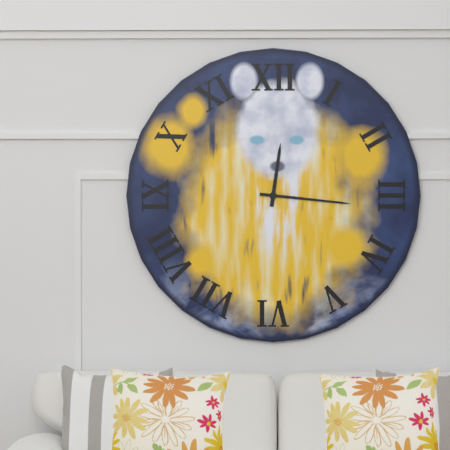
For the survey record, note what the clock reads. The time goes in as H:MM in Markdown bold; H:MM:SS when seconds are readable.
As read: **12:16**
